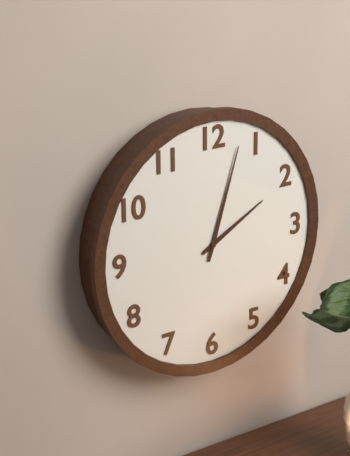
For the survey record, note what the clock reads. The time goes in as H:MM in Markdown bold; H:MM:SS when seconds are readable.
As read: **2:03**
